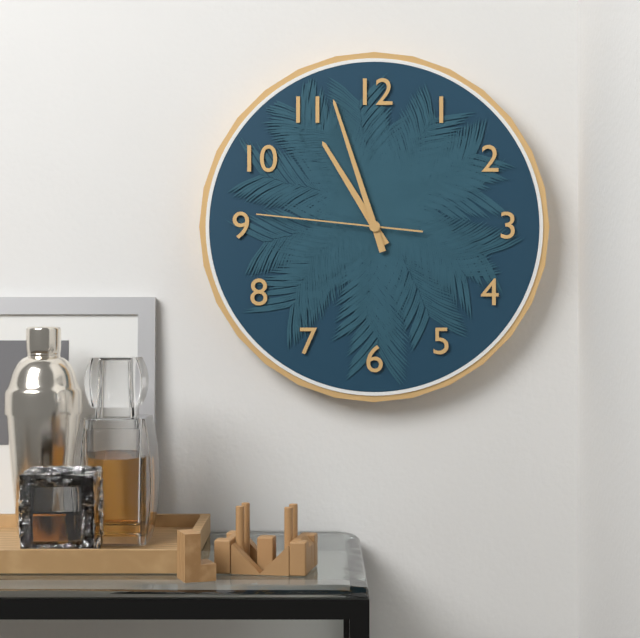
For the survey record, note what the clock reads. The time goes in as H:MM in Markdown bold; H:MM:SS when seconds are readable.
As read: **10:57:46**
